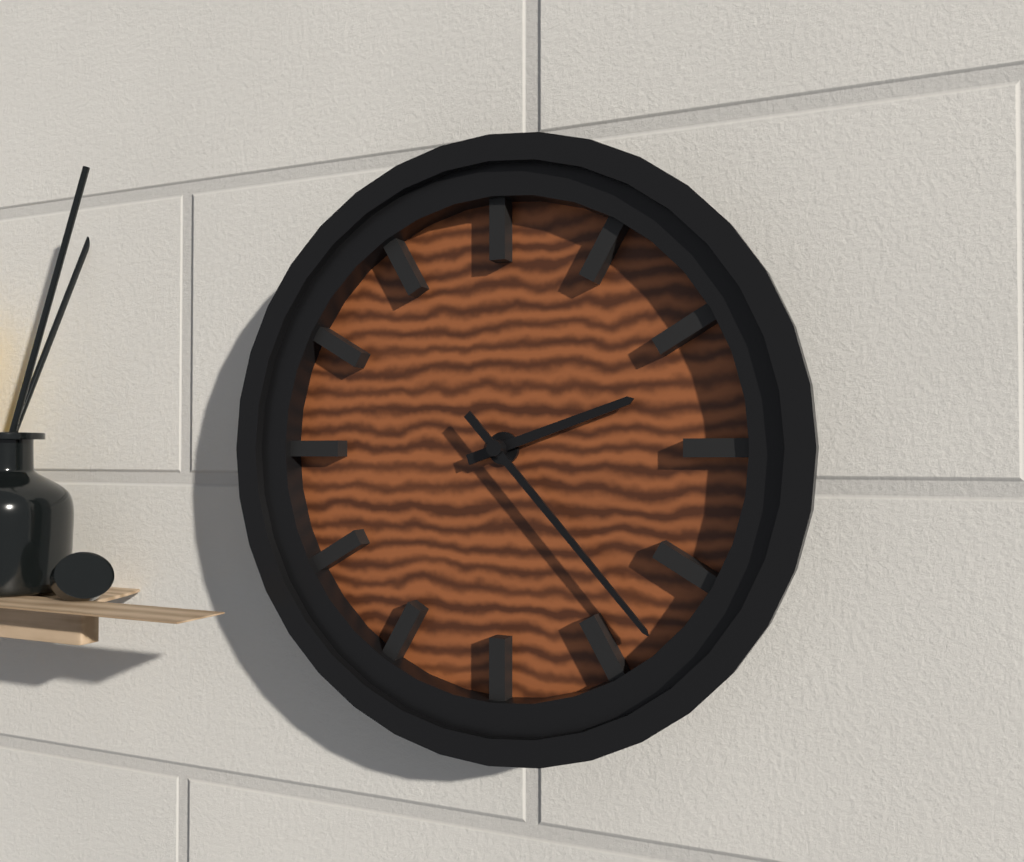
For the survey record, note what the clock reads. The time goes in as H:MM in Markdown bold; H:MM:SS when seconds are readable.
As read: **2:23**
